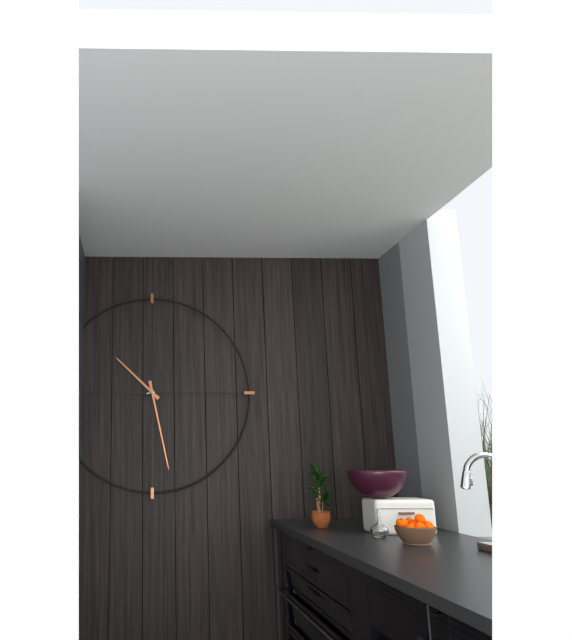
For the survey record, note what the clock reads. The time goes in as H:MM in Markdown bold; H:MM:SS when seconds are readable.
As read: **10:28**
